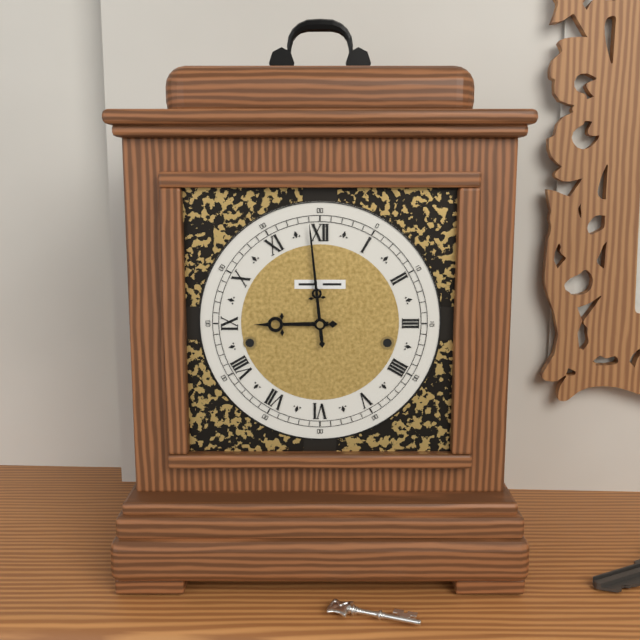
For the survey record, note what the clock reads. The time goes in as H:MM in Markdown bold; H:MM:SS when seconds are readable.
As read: **8:59**
